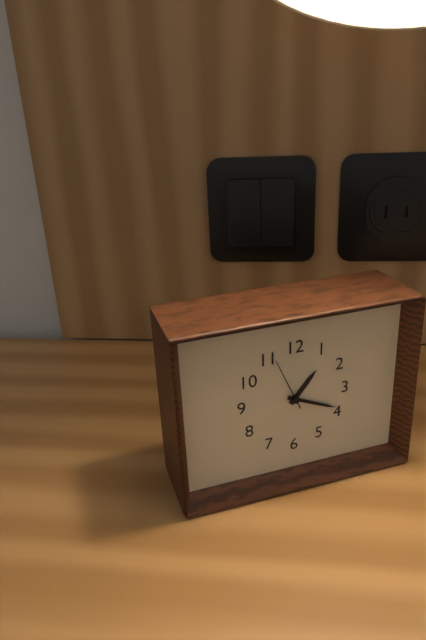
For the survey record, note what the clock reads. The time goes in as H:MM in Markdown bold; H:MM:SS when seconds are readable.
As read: **1:19**
